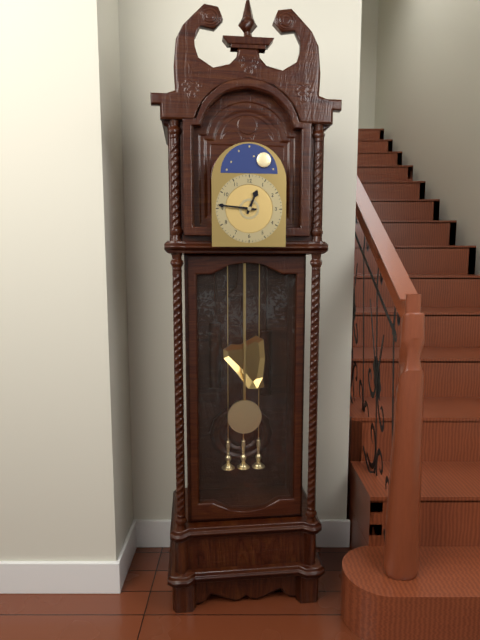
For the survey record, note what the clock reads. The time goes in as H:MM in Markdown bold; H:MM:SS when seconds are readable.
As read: **12:46**
